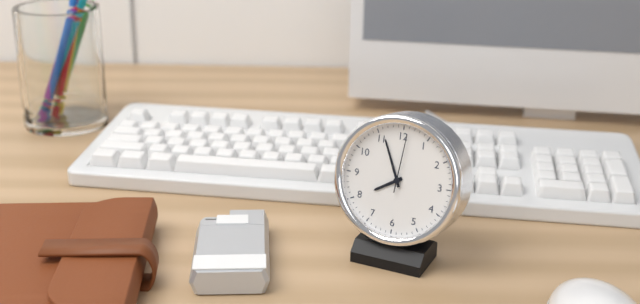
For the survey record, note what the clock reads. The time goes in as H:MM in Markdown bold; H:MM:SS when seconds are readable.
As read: **7:56:01**
